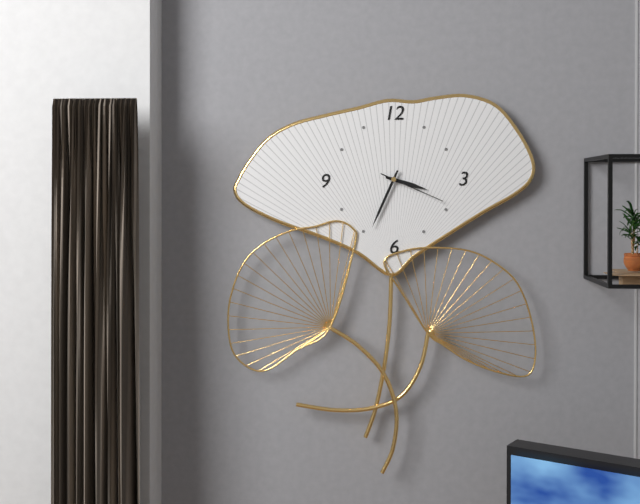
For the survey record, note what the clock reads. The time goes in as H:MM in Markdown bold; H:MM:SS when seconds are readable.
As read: **3:34:19**
